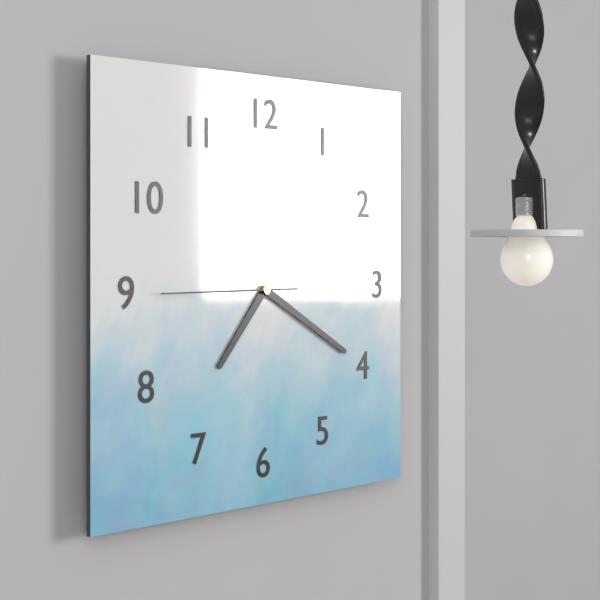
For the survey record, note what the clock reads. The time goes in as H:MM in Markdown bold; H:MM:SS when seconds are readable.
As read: **7:20:45**
